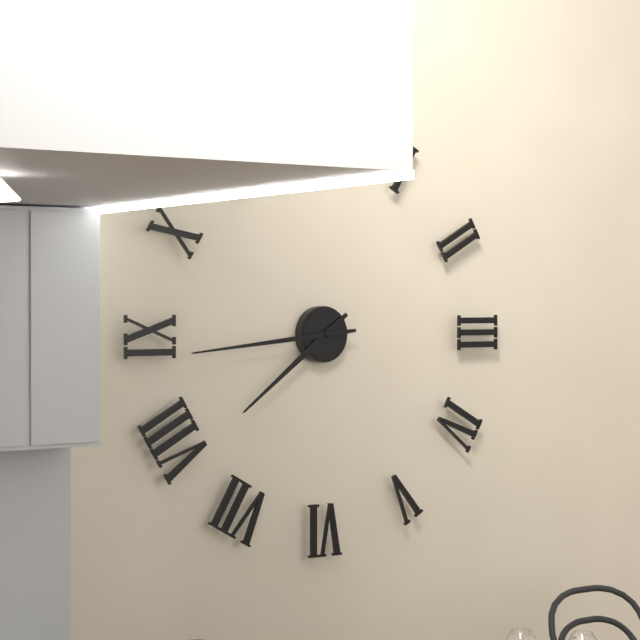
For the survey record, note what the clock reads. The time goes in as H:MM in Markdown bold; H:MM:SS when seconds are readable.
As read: **7:44**
